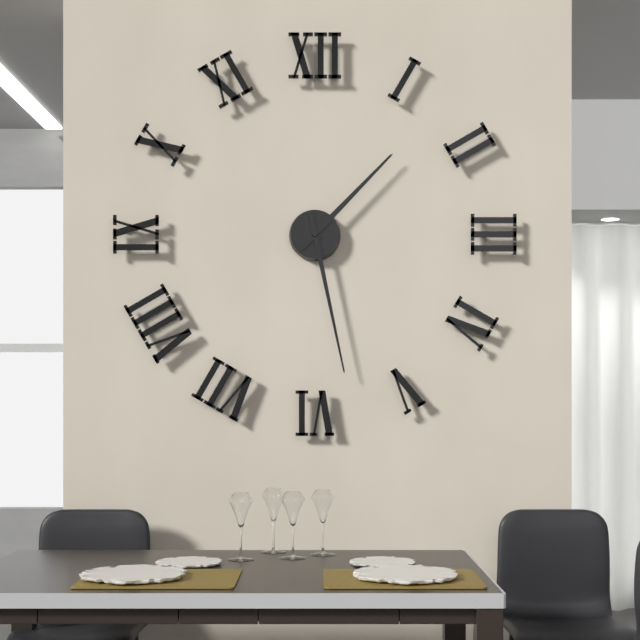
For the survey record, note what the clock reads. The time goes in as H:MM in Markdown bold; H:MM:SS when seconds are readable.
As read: **1:28**
